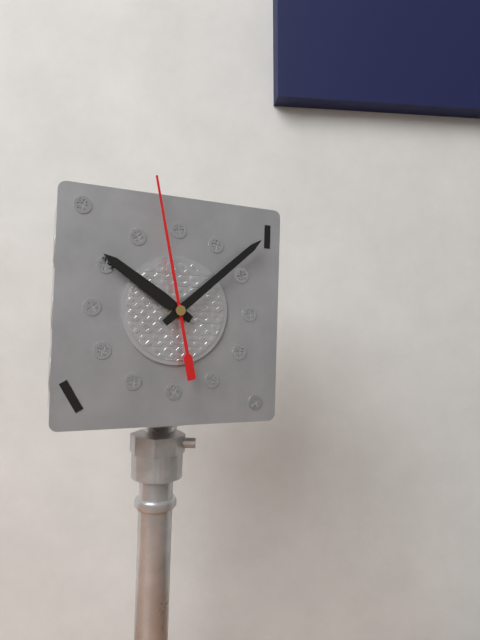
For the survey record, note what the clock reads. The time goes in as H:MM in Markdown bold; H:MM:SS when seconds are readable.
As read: **10:08:58**
